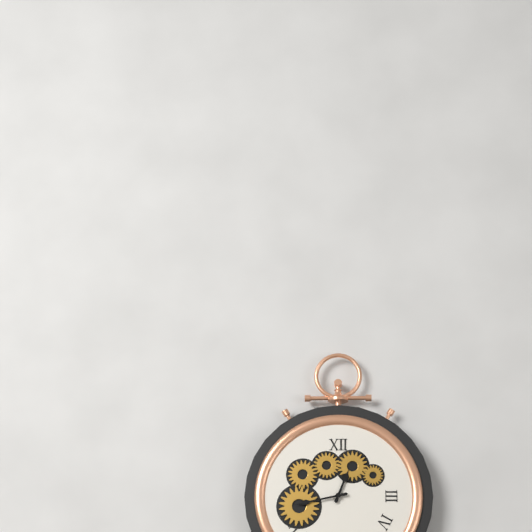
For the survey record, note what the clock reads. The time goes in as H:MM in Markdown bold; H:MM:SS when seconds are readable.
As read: **12:43**
